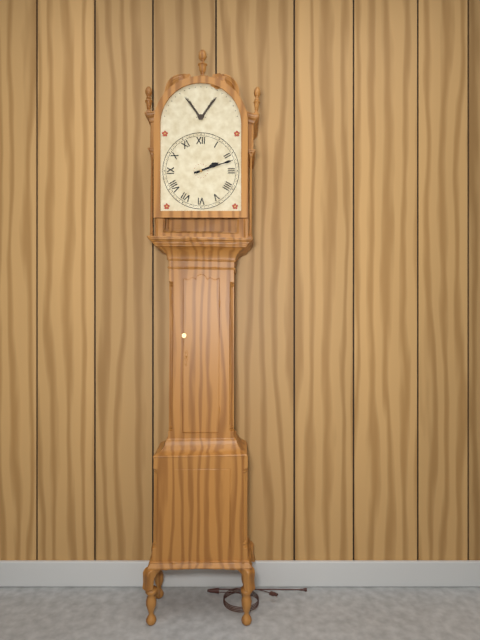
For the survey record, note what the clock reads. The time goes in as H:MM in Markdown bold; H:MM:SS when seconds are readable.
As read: **2:12**
